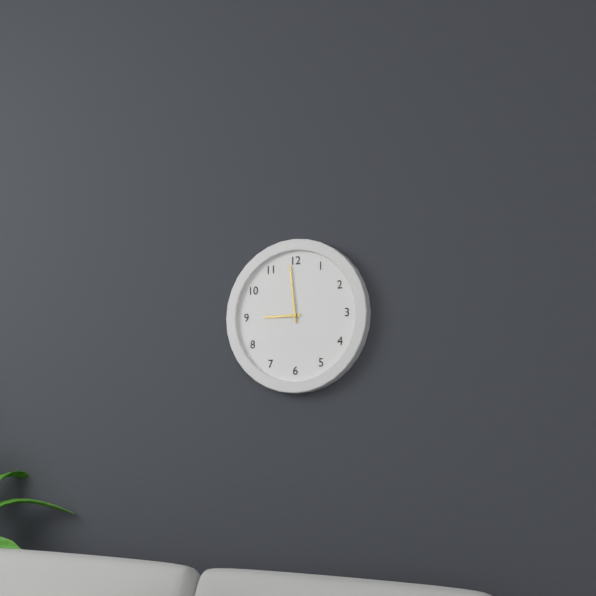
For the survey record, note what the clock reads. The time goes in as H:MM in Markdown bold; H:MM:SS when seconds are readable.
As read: **8:59**
